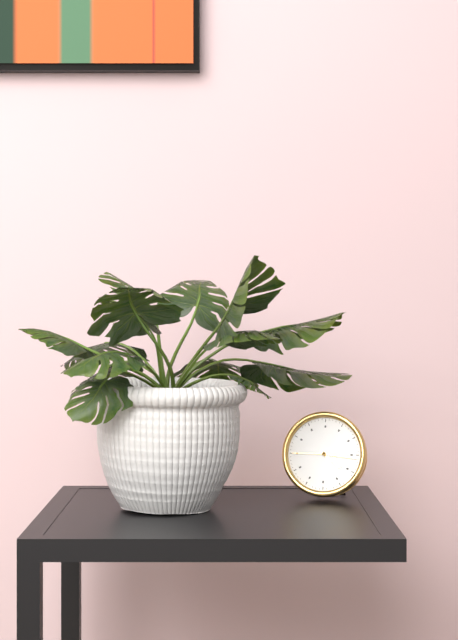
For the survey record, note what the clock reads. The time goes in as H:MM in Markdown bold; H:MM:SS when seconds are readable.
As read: **4:16**
